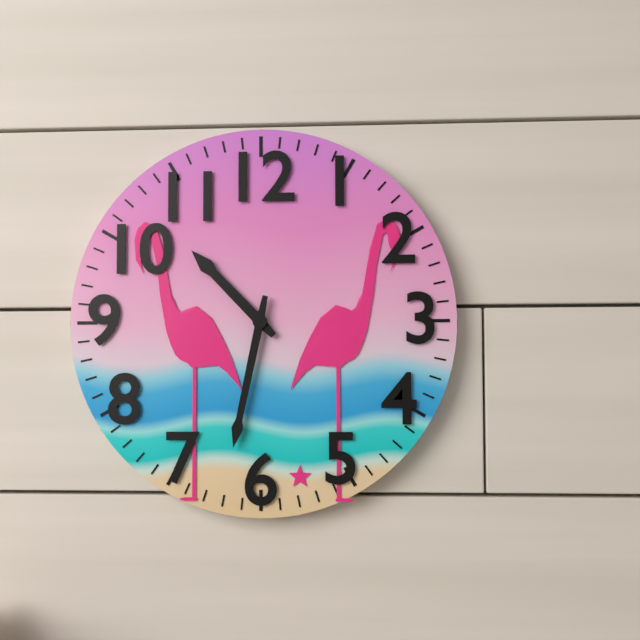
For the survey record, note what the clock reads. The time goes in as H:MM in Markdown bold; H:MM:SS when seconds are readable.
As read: **10:32**
